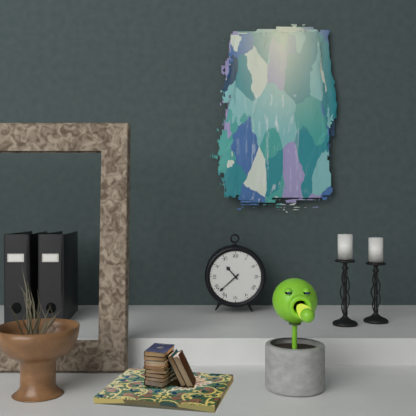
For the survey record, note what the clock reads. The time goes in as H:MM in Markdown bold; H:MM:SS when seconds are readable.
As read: **10:38**
